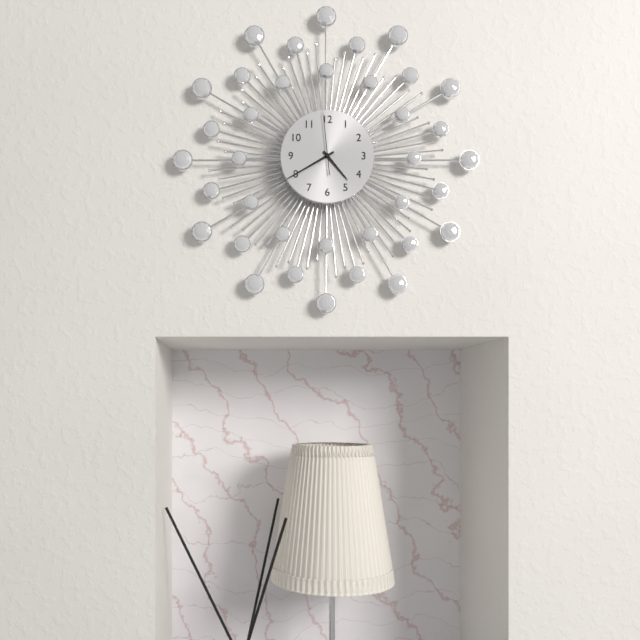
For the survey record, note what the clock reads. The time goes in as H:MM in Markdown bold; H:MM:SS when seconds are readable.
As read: **4:40:59**
